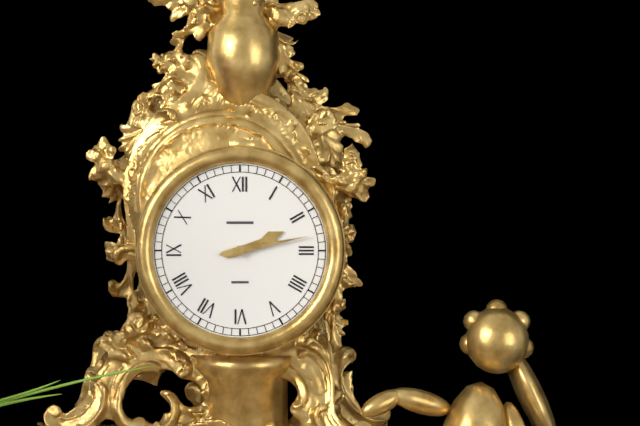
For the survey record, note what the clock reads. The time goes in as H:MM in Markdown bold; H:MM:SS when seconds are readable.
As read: **2:13**
